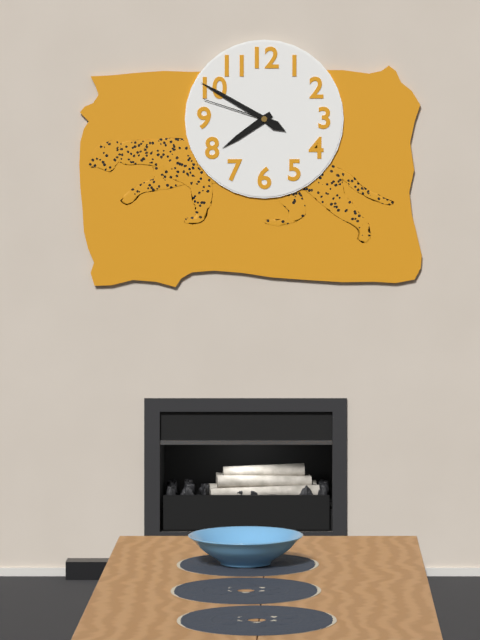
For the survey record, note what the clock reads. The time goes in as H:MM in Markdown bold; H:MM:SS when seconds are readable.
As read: **7:50:48**
